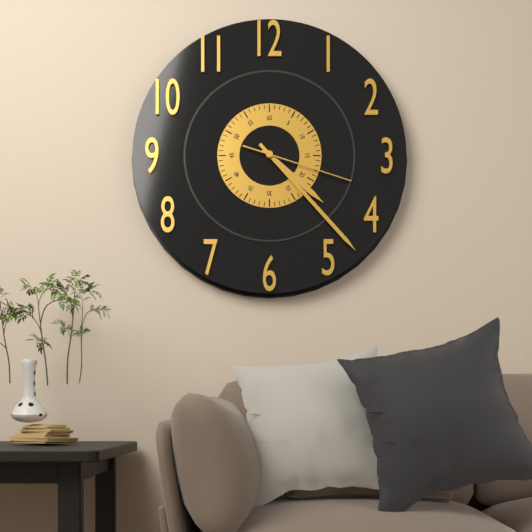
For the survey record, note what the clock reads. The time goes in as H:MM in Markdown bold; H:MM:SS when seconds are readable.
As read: **4:23:18**
